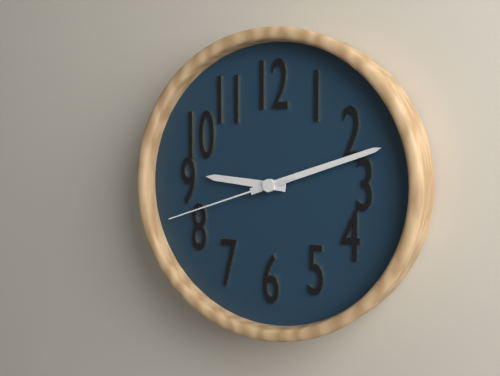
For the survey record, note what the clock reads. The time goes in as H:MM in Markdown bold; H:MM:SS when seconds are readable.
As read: **9:12:42**
